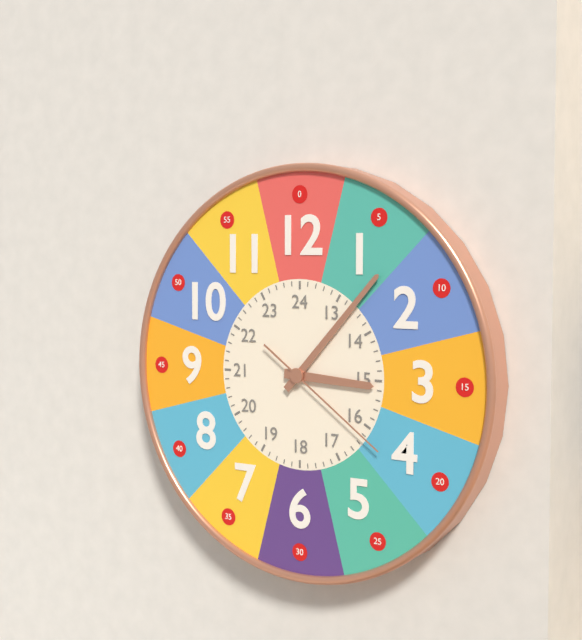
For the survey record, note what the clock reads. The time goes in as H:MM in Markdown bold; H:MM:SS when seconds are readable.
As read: **3:07:21**
